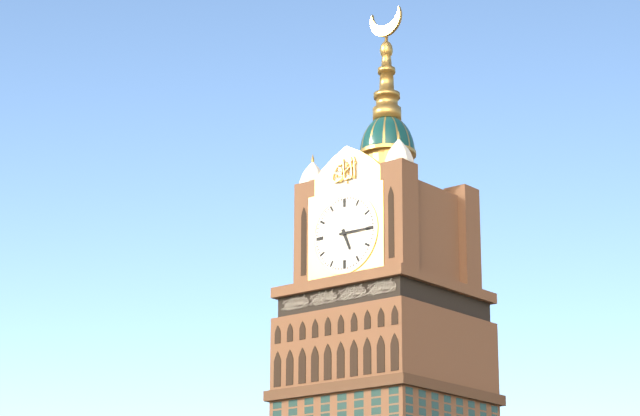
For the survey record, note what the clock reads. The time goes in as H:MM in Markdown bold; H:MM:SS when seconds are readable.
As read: **5:15**
